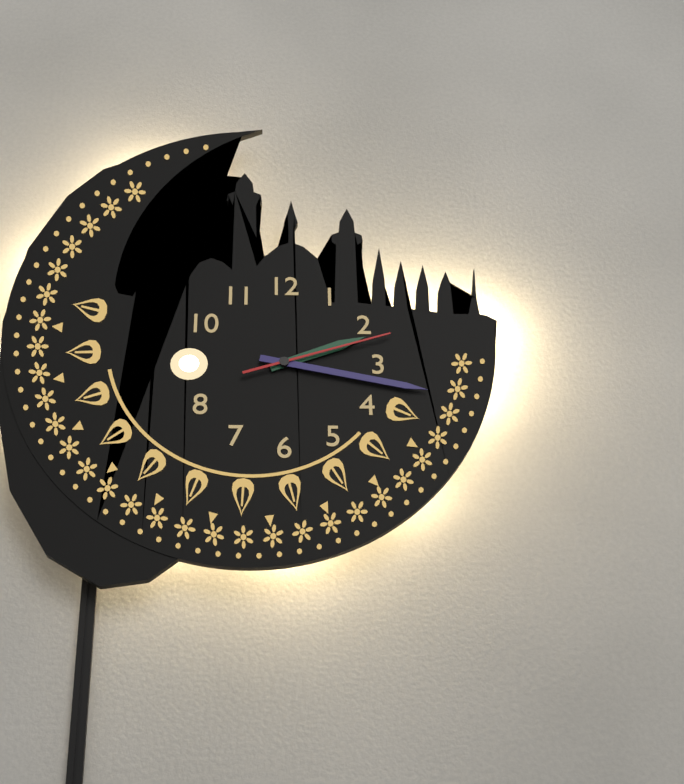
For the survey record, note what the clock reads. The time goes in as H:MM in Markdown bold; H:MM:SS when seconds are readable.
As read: **2:17:12**
